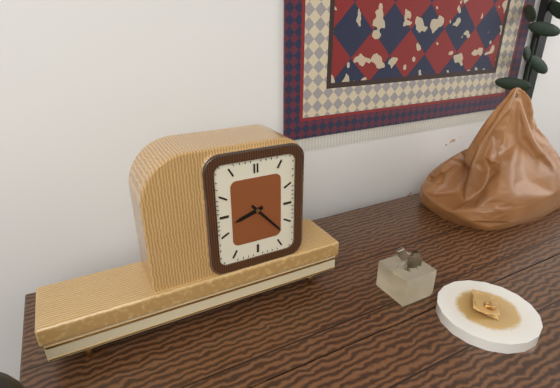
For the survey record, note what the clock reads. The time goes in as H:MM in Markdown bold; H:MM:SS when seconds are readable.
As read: **8:23**
